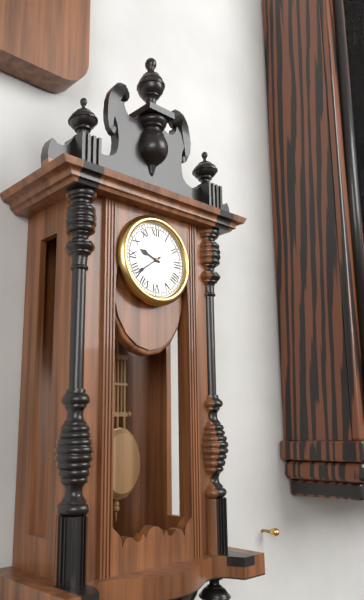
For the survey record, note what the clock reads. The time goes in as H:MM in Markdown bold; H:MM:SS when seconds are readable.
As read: **9:39**
